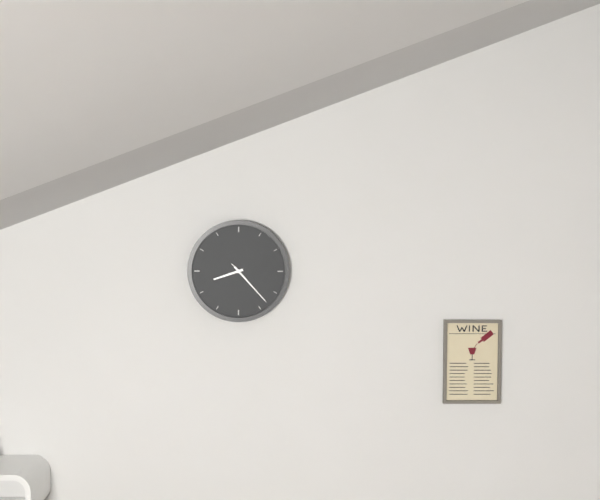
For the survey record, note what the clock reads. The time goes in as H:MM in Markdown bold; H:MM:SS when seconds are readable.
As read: **8:23:23**
